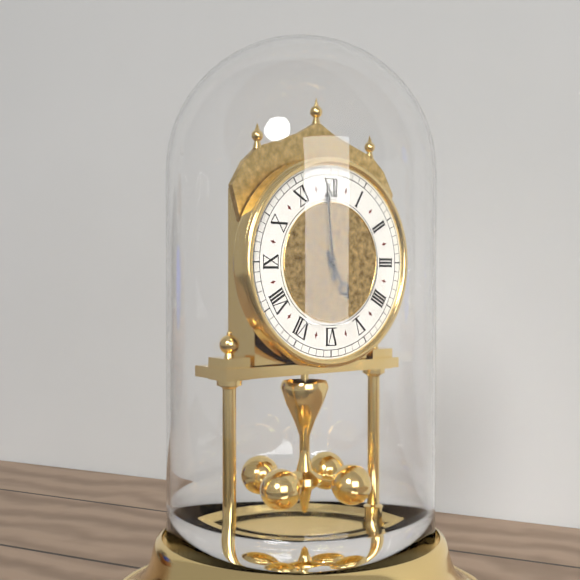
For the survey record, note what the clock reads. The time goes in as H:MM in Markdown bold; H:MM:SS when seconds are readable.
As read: **4:59**
